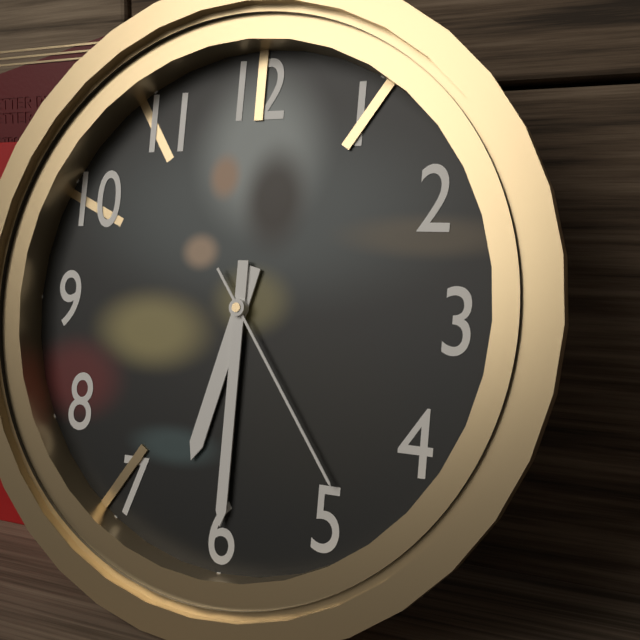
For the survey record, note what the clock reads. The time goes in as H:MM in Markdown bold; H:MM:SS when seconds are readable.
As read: **6:30:24**
